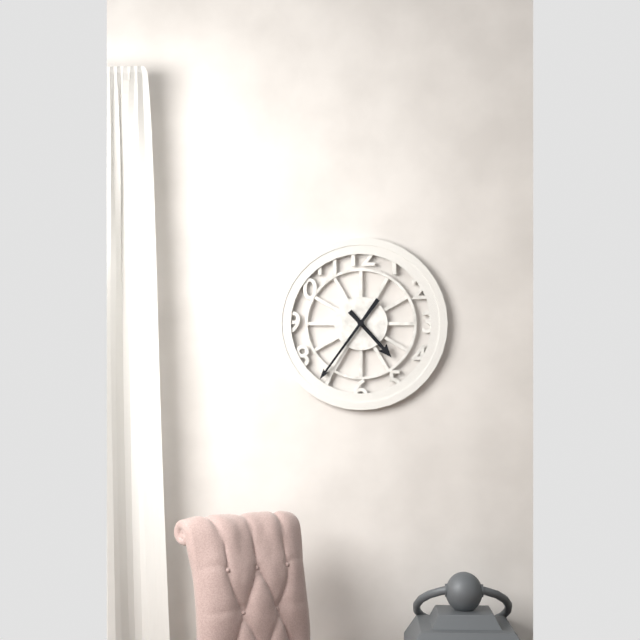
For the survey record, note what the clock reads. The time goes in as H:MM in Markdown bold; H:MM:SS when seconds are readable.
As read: **4:36**
